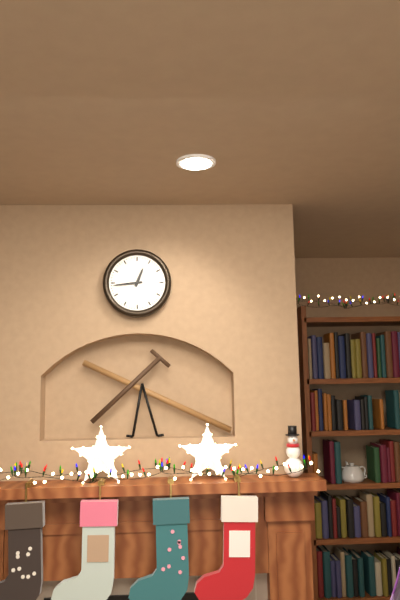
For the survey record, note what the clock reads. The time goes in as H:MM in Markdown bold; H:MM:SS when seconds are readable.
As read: **12:44**
